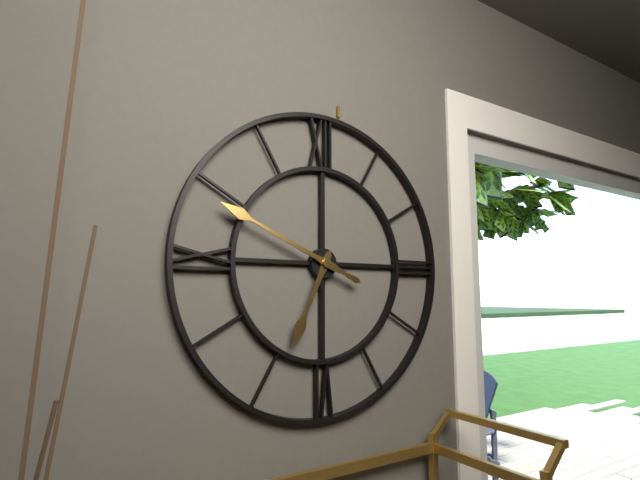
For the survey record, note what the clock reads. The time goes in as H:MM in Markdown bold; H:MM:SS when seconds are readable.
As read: **6:49**
